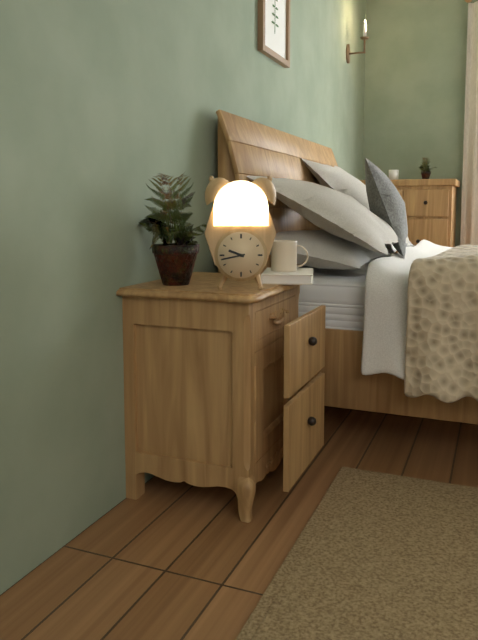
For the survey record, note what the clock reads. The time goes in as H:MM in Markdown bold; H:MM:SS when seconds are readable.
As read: **9:43**
